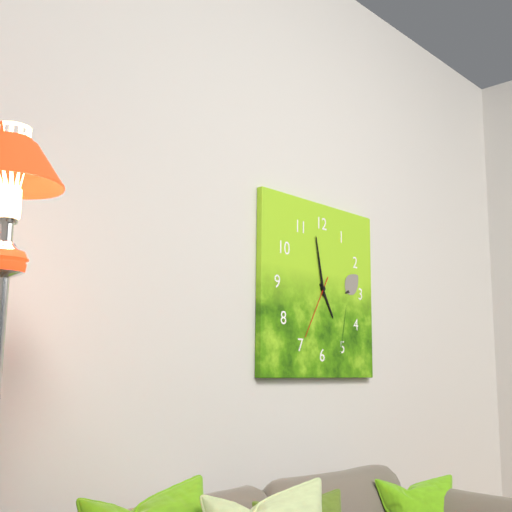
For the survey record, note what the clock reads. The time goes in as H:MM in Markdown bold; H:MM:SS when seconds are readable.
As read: **4:58:35**
